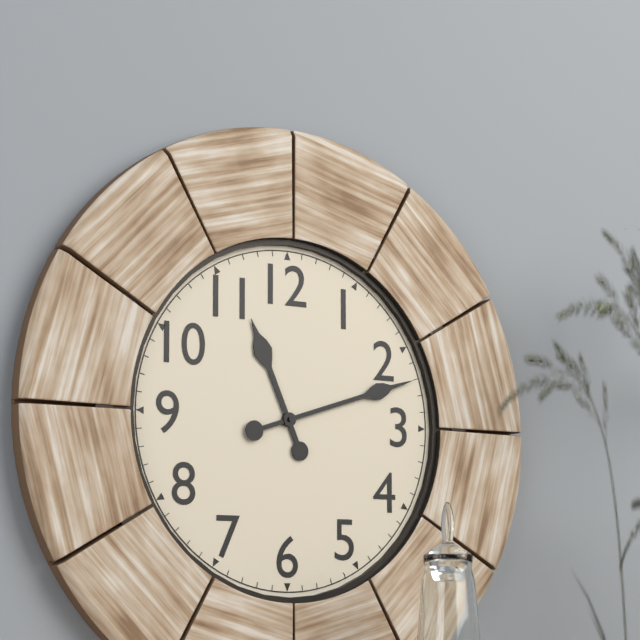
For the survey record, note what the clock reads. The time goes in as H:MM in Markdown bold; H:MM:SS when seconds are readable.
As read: **11:12**
